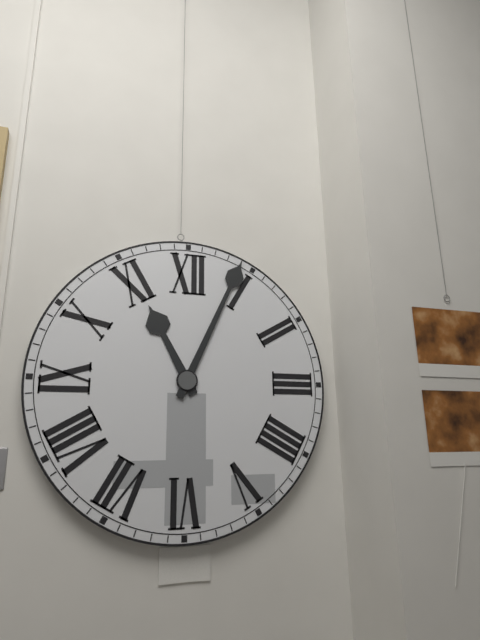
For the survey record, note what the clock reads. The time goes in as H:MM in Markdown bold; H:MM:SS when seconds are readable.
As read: **11:04**
